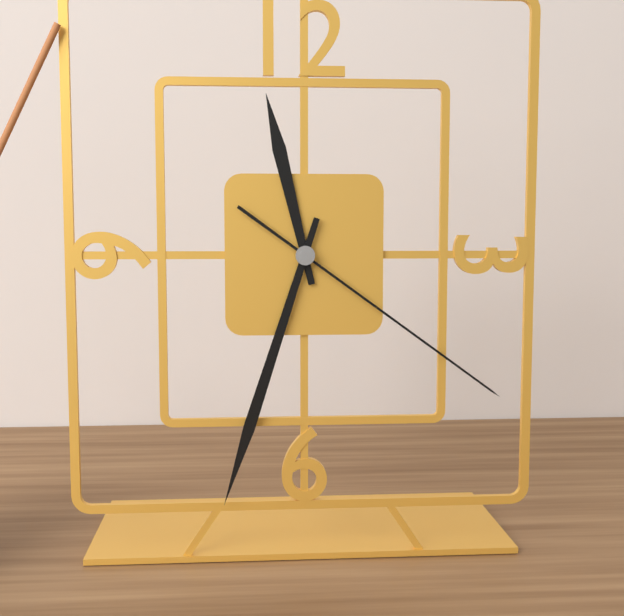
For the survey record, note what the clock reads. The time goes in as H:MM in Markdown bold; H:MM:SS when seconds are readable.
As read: **11:33:21**
